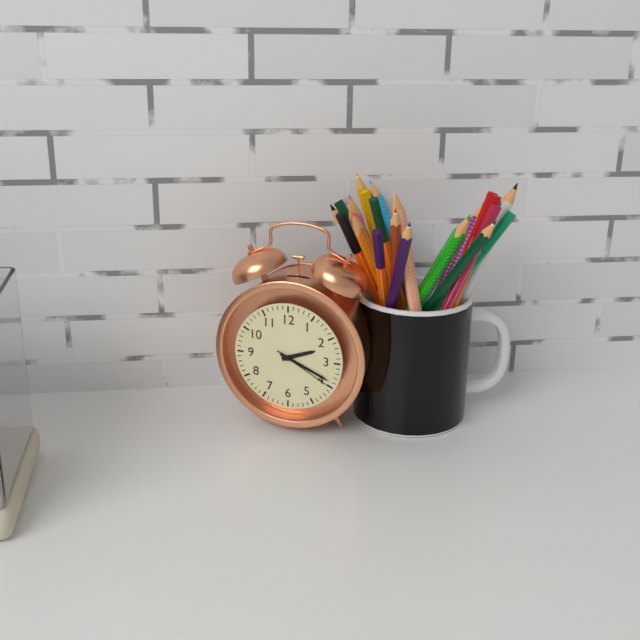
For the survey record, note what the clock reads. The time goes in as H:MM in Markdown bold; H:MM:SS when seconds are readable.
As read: **2:19:20**
